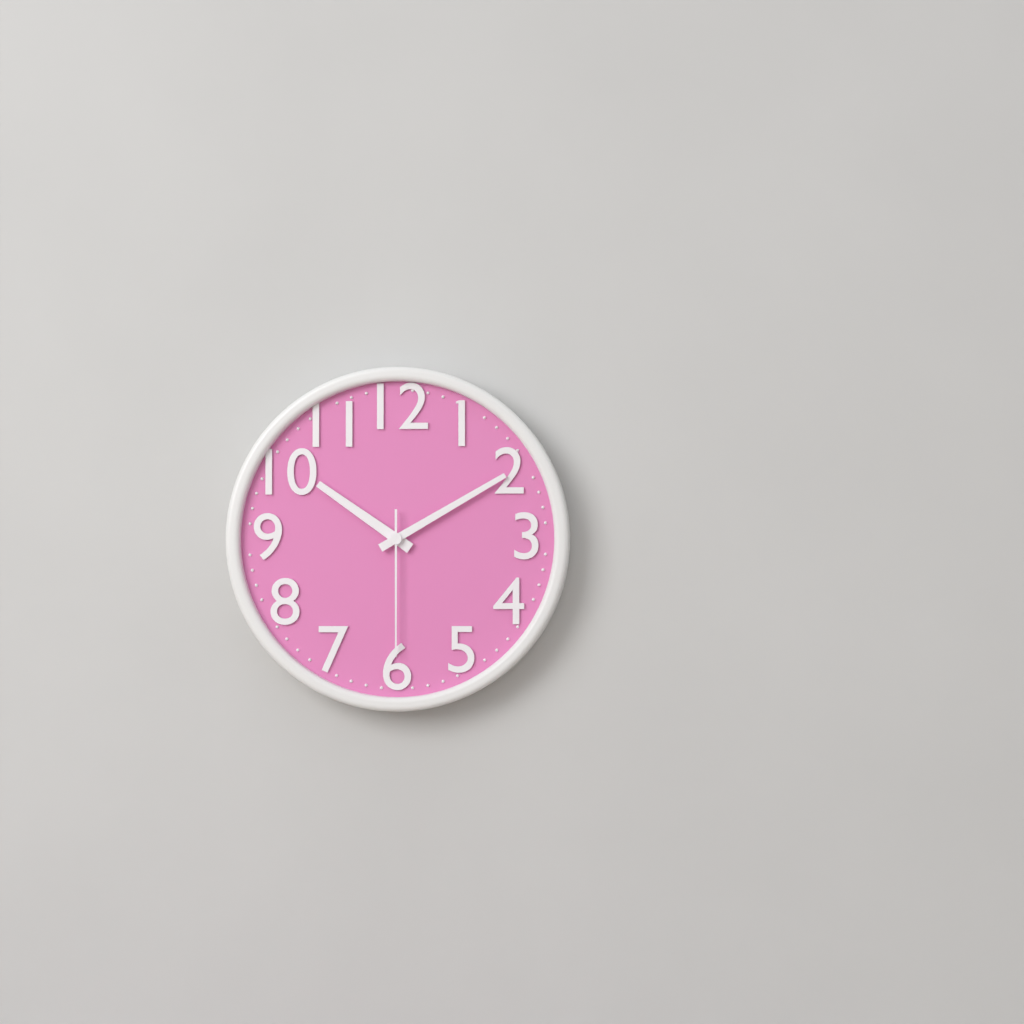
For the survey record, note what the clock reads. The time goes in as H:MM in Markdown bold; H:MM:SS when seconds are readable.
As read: **10:10:30**
